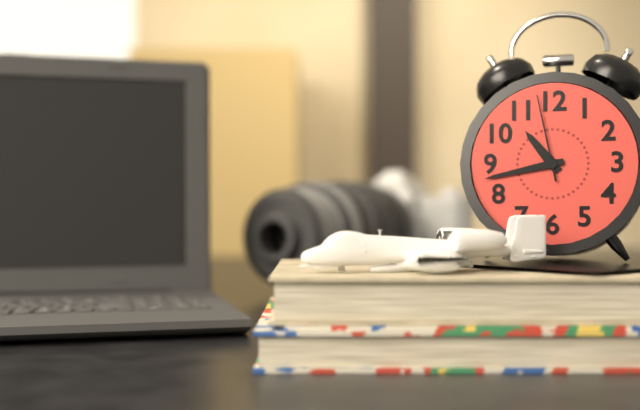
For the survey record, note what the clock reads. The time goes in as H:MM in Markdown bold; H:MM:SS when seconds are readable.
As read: **10:43:58**
